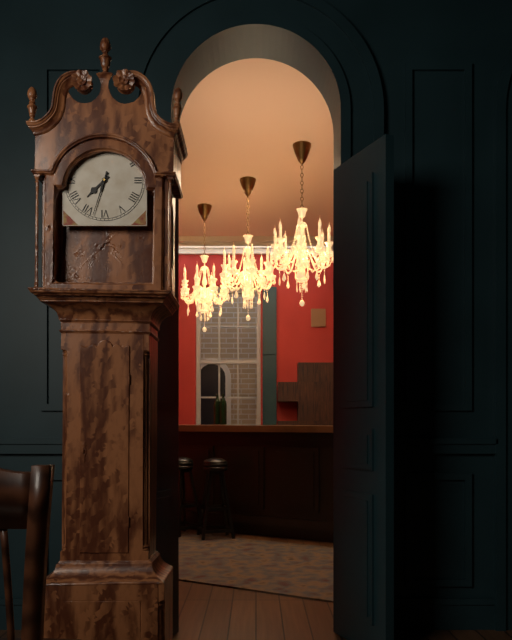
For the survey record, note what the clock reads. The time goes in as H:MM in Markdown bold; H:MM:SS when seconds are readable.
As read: **7:33**
